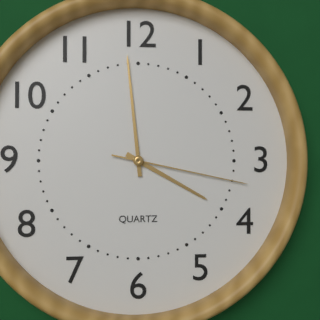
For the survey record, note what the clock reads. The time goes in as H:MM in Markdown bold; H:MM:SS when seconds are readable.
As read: **3:59:17**
